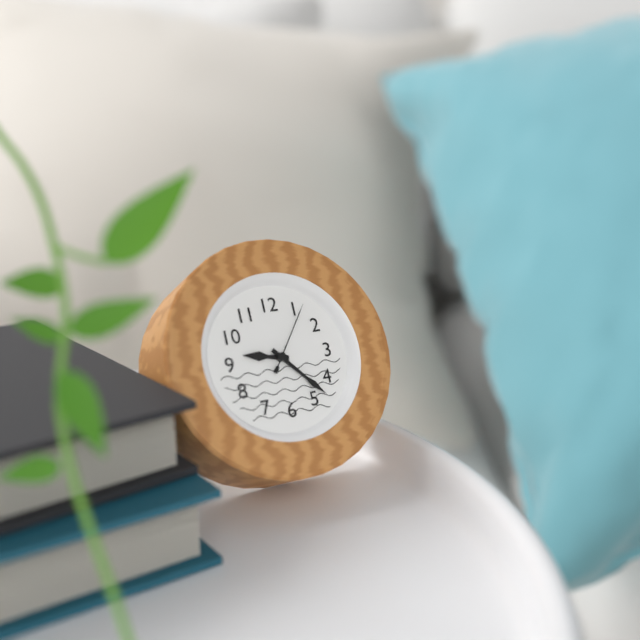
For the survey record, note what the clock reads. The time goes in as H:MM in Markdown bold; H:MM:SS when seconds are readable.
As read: **9:23:06**
